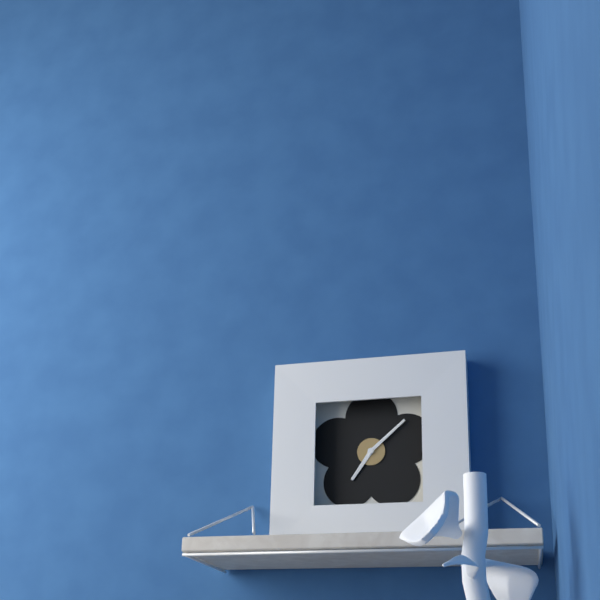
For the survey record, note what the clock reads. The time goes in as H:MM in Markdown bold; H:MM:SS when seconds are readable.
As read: **7:08**
